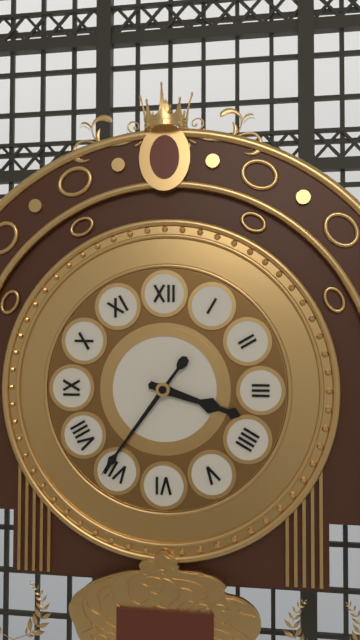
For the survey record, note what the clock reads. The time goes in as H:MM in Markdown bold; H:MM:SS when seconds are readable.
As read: **3:36**
